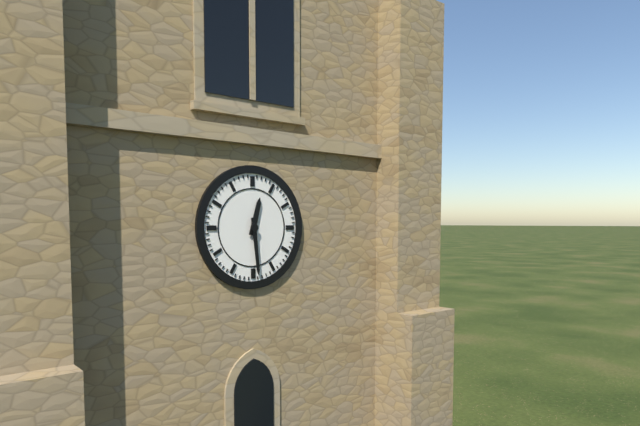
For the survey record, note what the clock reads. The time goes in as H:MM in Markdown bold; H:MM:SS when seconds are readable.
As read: **12:29**
